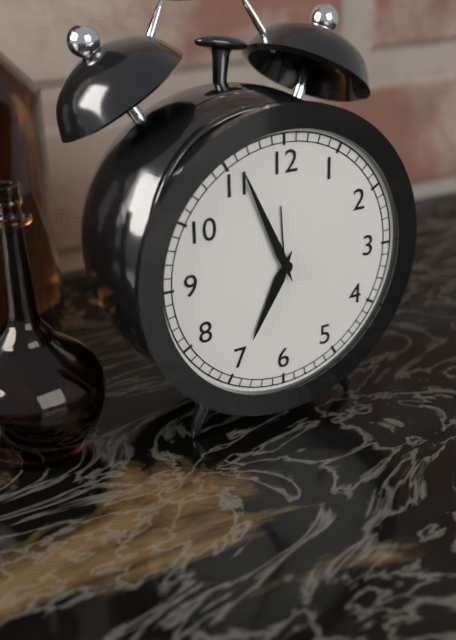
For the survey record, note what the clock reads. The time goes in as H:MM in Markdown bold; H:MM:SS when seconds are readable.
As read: **6:56**
